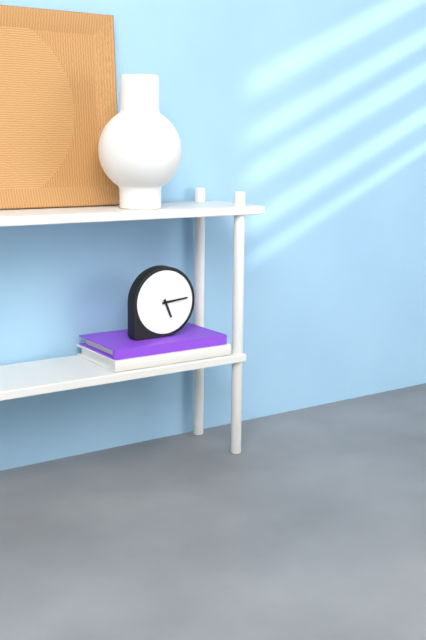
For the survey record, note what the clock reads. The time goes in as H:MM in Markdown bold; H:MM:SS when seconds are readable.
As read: **5:14**
